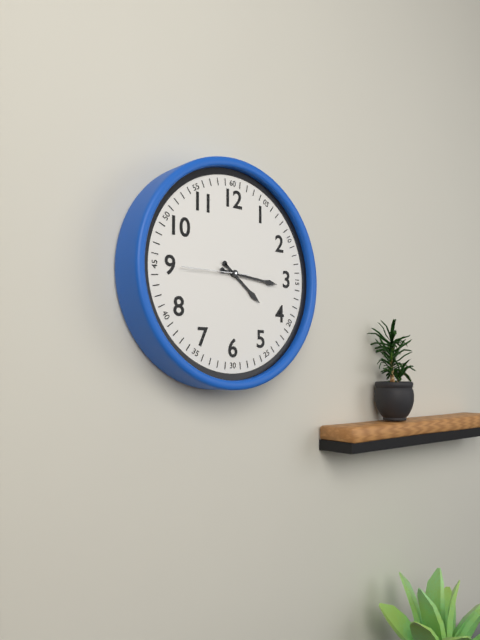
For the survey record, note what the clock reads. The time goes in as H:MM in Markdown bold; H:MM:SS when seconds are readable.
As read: **4:16:45**
